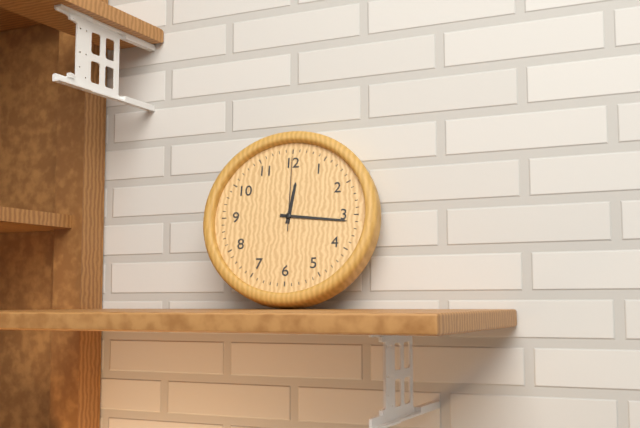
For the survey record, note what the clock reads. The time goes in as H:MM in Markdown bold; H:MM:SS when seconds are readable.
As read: **12:16:00**
